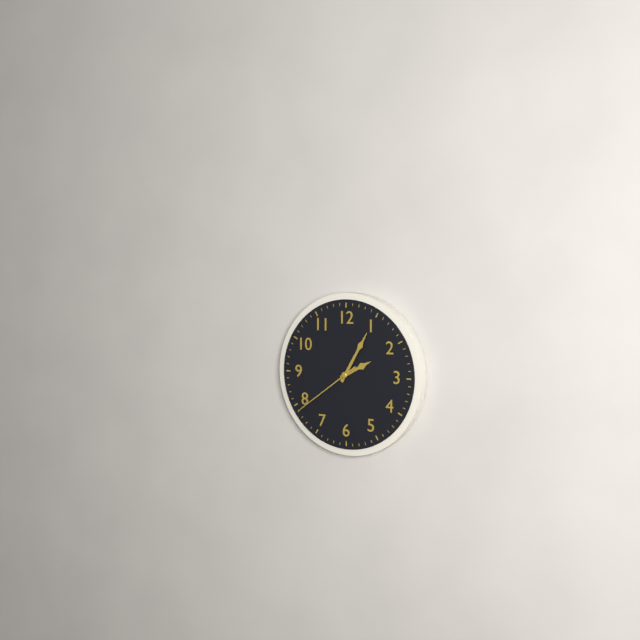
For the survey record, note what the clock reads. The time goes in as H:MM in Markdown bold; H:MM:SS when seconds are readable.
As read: **2:05:39**
